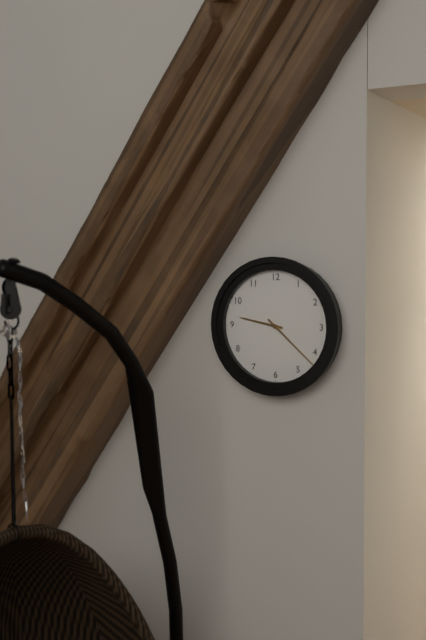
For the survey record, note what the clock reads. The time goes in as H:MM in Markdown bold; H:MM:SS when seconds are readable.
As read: **9:22**
